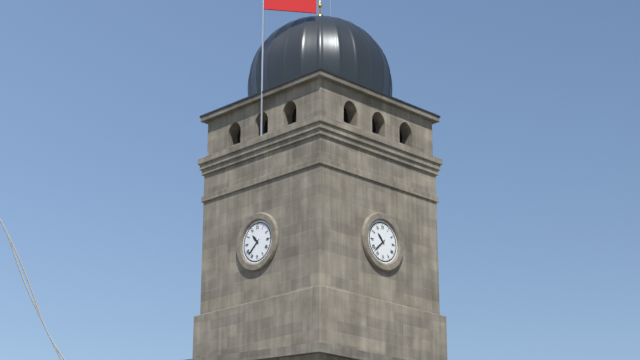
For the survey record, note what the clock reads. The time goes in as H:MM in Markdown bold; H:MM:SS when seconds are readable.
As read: **10:38**
